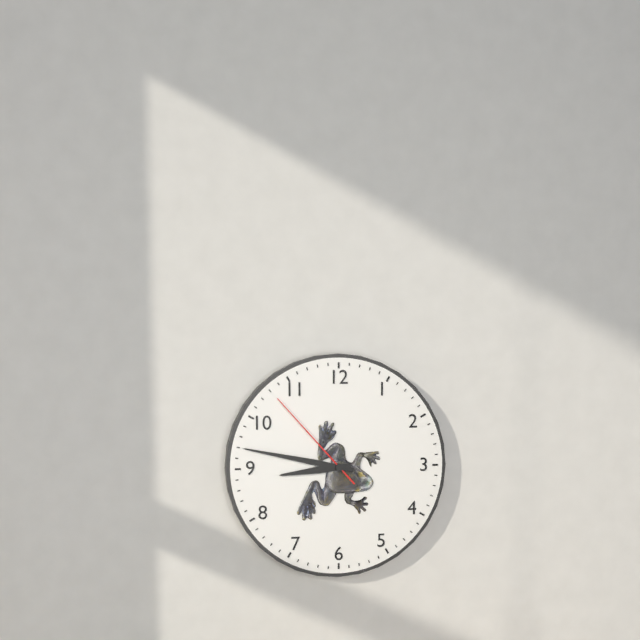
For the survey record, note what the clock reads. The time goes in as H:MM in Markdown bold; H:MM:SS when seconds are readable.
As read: **8:47:53**
